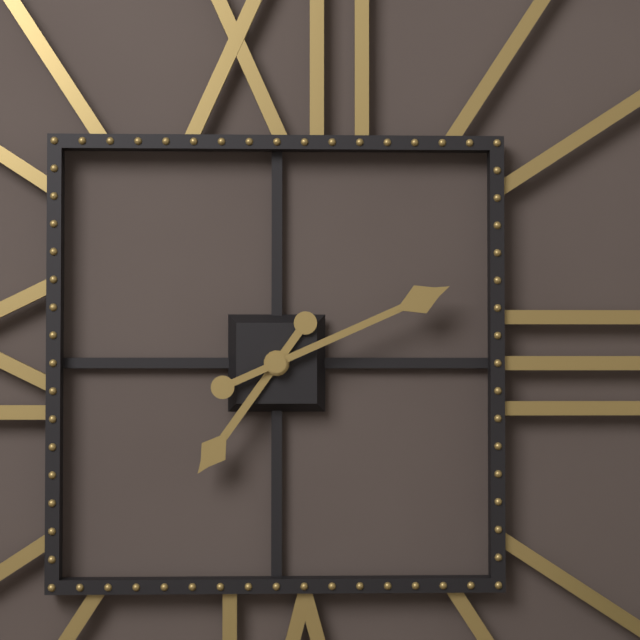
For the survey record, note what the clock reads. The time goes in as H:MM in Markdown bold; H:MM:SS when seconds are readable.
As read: **7:11**
